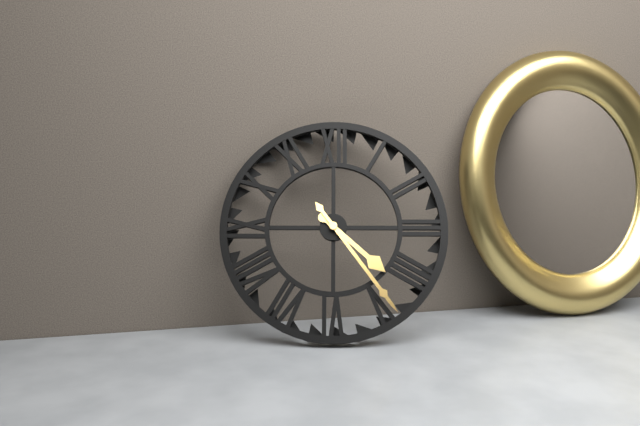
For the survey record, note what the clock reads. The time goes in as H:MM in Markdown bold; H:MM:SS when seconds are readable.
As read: **4:24**
